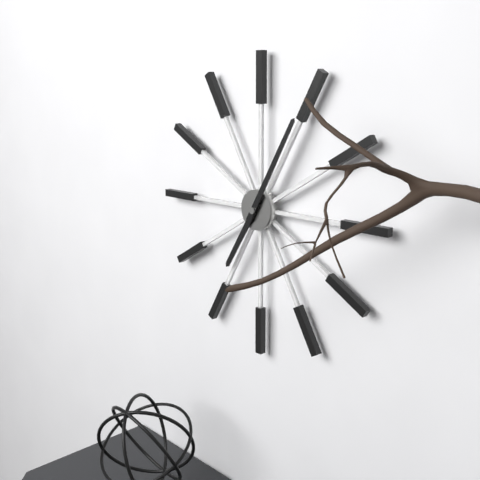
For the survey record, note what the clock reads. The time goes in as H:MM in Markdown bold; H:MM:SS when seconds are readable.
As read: **7:05**
